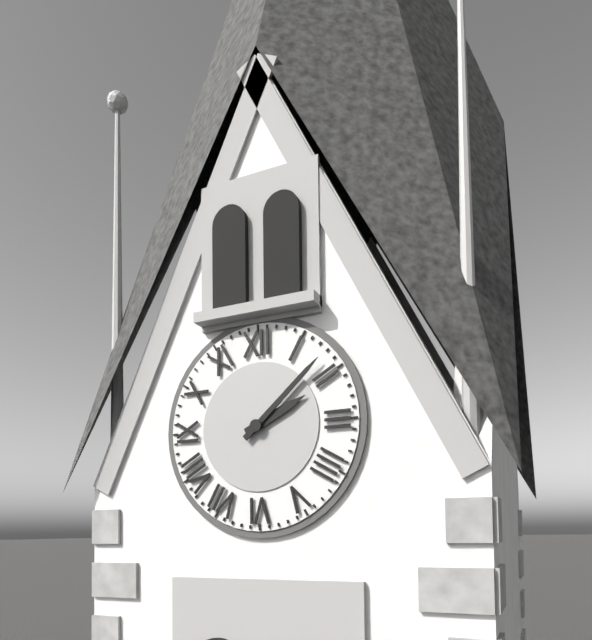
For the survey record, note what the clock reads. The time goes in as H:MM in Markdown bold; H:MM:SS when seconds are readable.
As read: **2:08**
